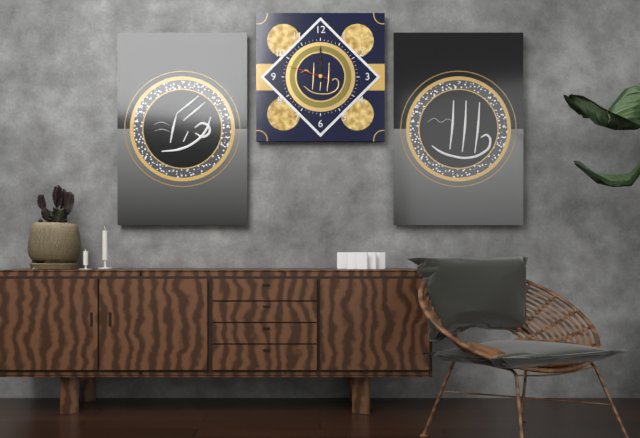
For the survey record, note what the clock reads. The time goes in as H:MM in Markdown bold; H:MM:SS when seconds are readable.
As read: **12:00**
